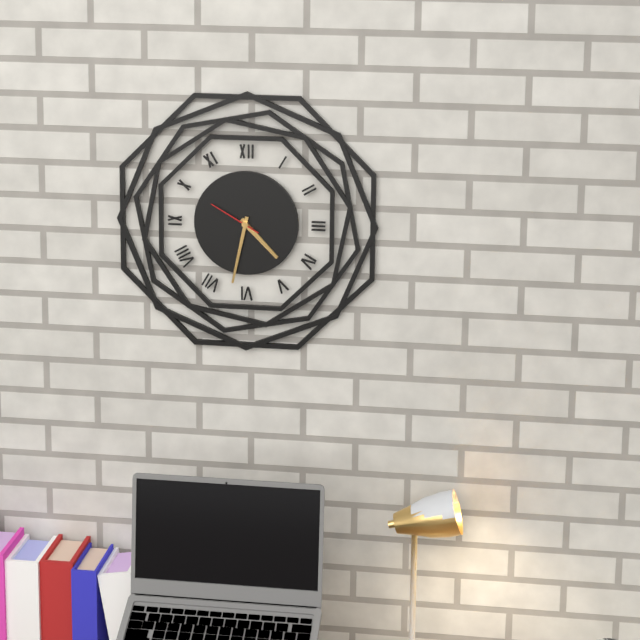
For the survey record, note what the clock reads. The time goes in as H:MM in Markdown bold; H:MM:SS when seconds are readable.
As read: **4:32:50**
